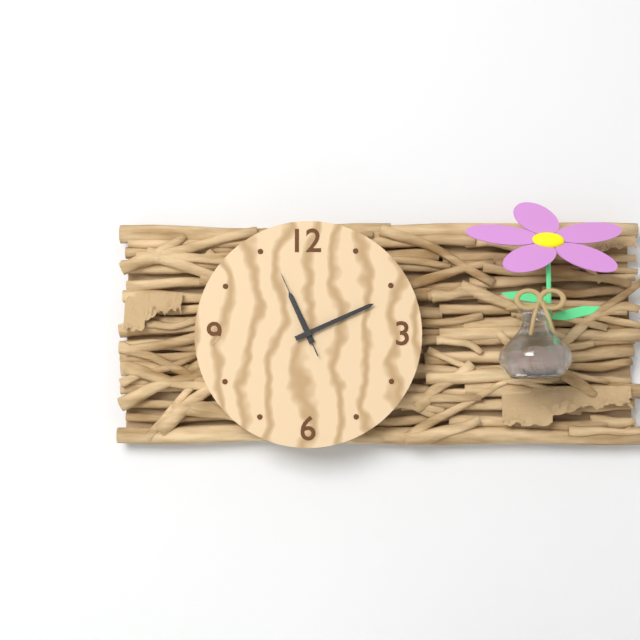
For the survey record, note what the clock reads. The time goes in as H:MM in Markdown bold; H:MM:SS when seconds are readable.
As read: **11:11:56**
